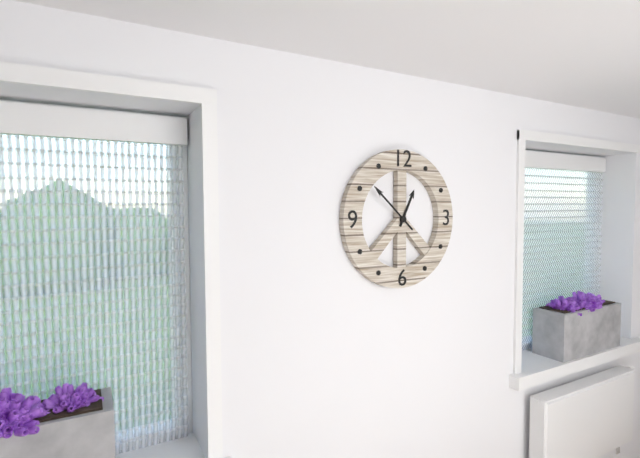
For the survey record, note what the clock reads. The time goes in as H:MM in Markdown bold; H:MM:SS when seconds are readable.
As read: **12:52**
